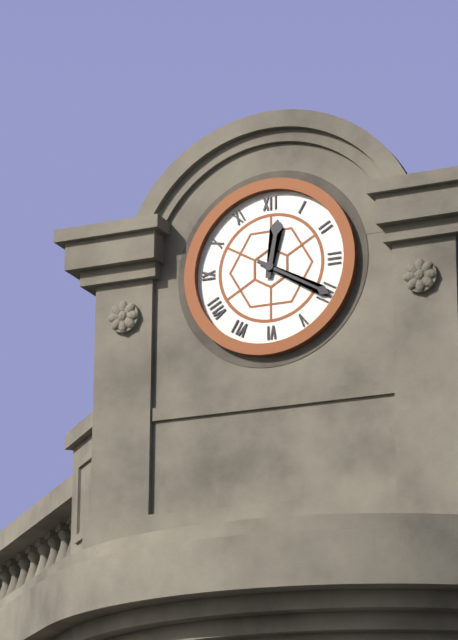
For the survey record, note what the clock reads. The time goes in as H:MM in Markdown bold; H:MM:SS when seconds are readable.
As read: **12:20**
